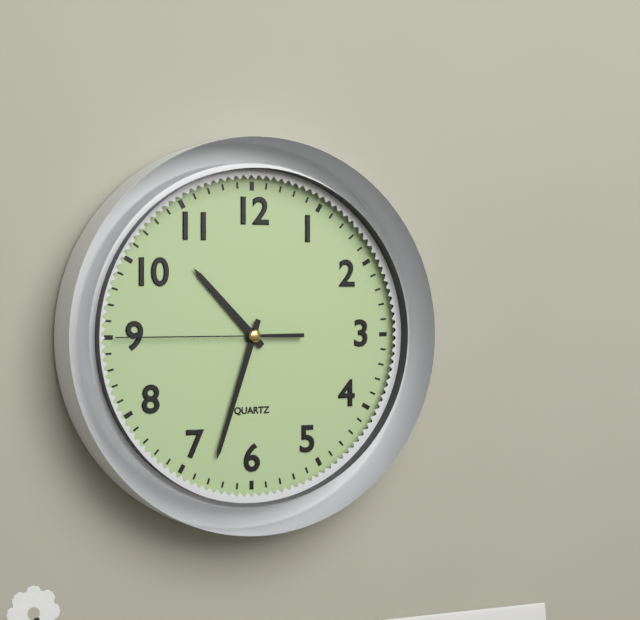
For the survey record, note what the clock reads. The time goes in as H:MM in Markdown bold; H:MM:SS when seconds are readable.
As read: **10:33:45**
